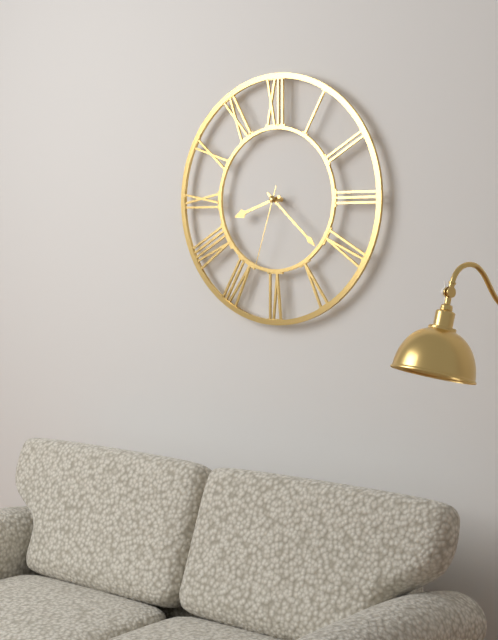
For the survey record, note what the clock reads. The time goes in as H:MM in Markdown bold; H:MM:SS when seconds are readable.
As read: **8:22:33**
